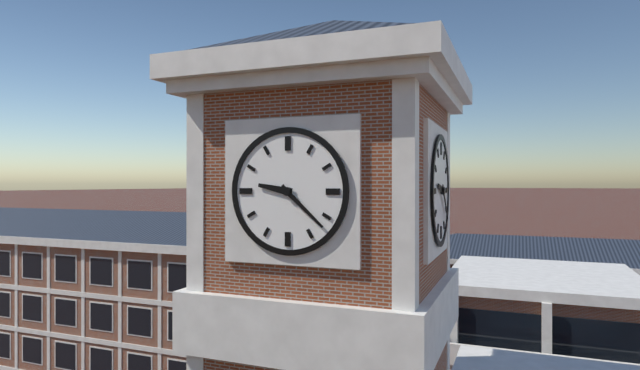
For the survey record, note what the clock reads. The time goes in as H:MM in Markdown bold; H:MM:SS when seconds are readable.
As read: **9:22**
